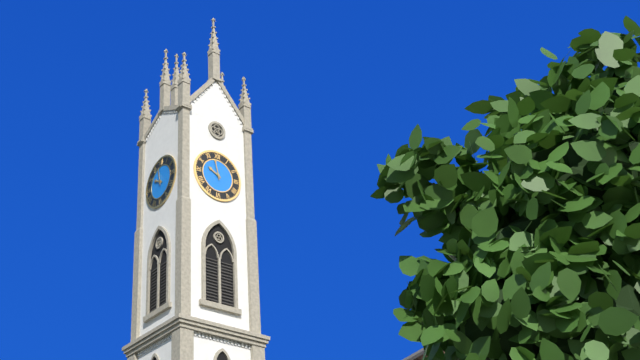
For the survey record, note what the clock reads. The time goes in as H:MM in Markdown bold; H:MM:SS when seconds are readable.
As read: **9:58**
